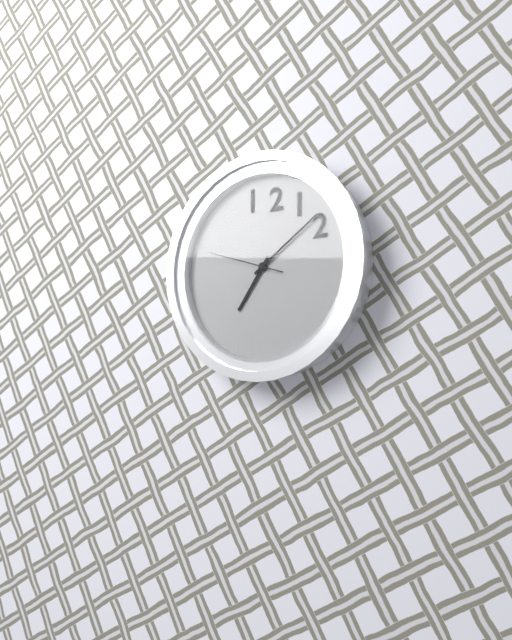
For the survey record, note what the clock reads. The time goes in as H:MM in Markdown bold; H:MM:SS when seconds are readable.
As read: **7:09:48**
